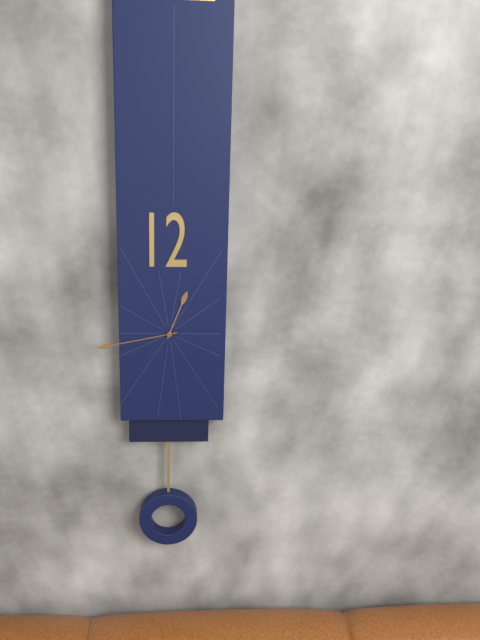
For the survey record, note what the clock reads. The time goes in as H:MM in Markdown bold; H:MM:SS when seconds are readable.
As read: **12:43**
